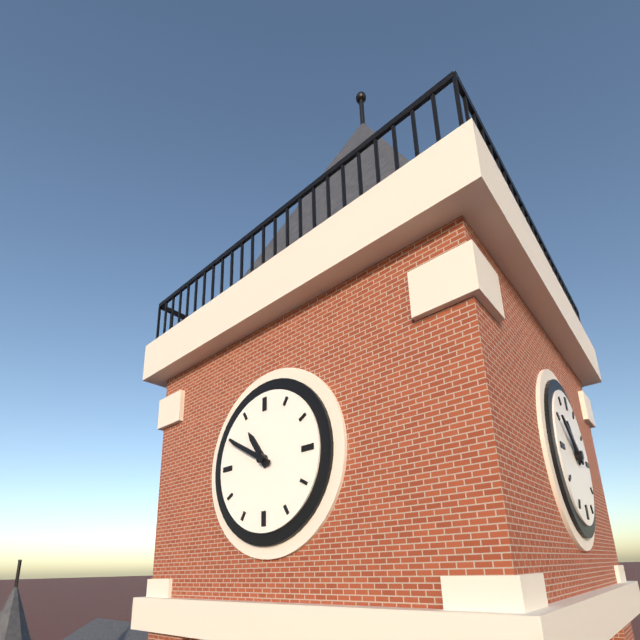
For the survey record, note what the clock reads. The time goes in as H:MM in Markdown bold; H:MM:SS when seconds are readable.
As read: **10:50**
